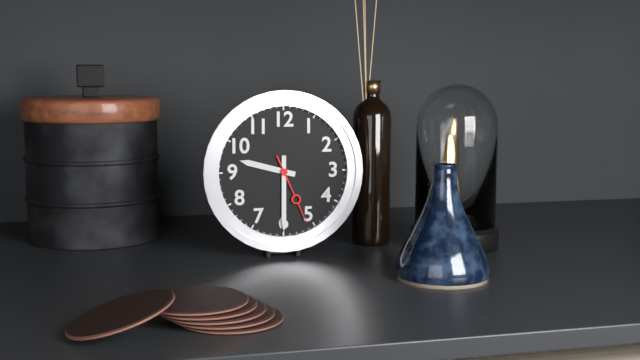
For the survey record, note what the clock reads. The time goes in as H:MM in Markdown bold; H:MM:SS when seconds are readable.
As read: **9:30:26**
